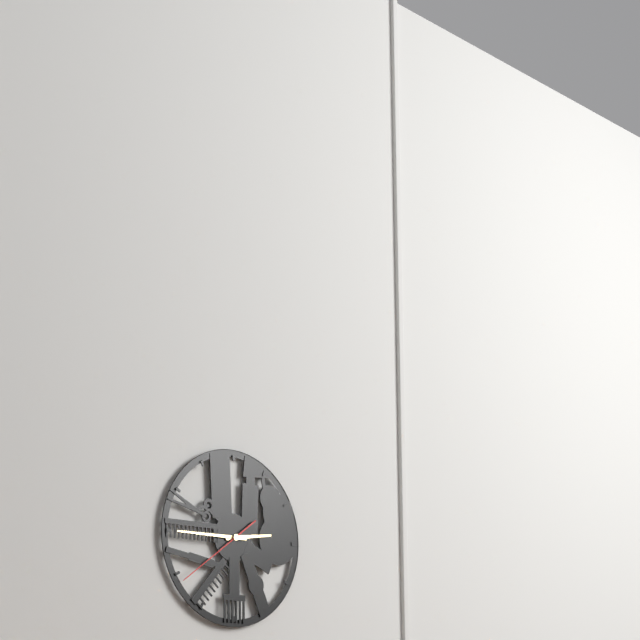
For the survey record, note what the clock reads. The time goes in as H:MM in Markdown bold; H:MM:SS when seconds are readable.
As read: **2:45:39**
